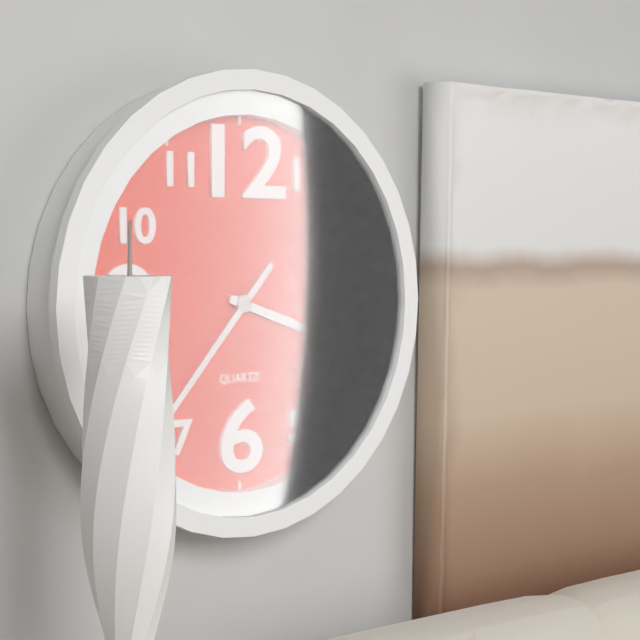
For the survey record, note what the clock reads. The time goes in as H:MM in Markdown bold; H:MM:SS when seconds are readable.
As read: **3:37**
